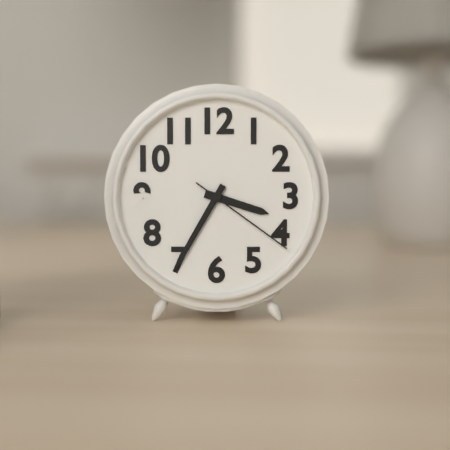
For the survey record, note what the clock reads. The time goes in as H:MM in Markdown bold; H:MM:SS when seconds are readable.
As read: **3:35:21**
